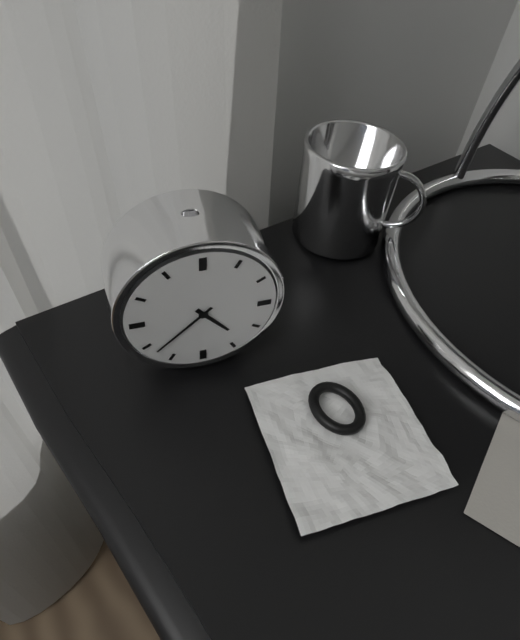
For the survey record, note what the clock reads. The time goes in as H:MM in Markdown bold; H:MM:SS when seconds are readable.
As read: **4:38**
